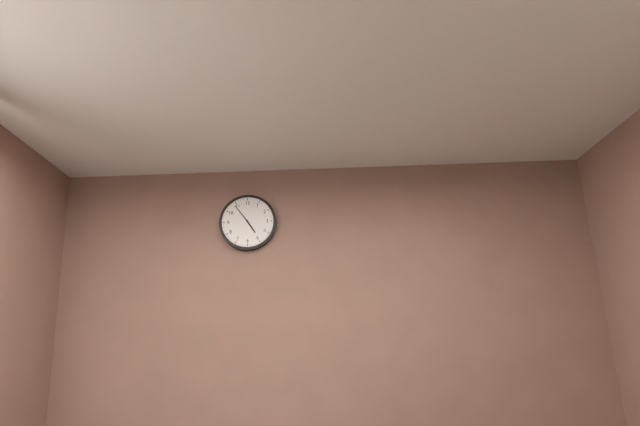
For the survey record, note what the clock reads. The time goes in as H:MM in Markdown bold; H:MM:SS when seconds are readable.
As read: **4:54**
